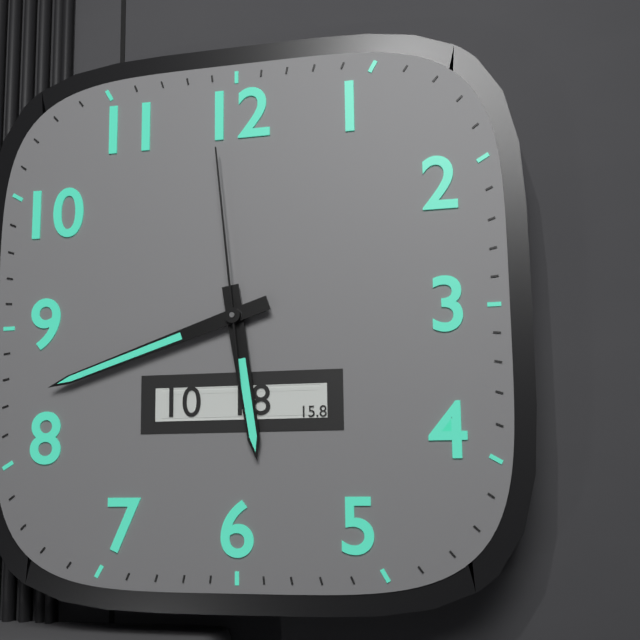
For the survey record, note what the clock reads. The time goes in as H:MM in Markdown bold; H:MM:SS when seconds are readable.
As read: **5:42:59**
